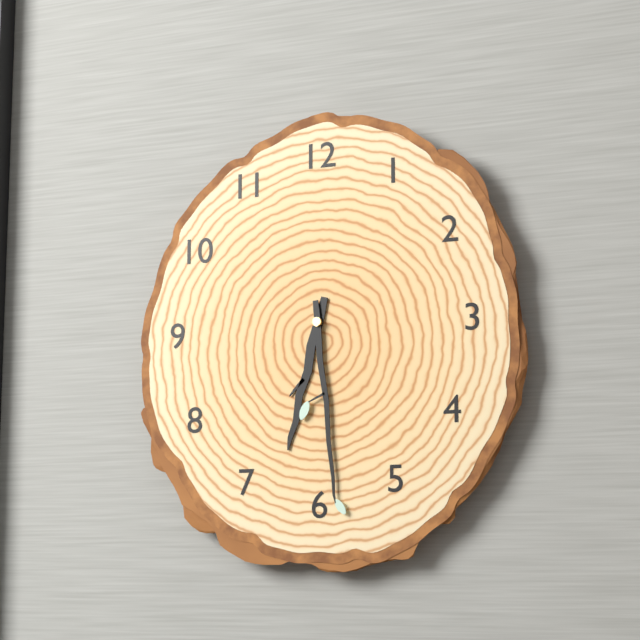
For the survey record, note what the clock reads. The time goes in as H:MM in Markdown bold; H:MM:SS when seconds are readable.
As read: **6:29**
